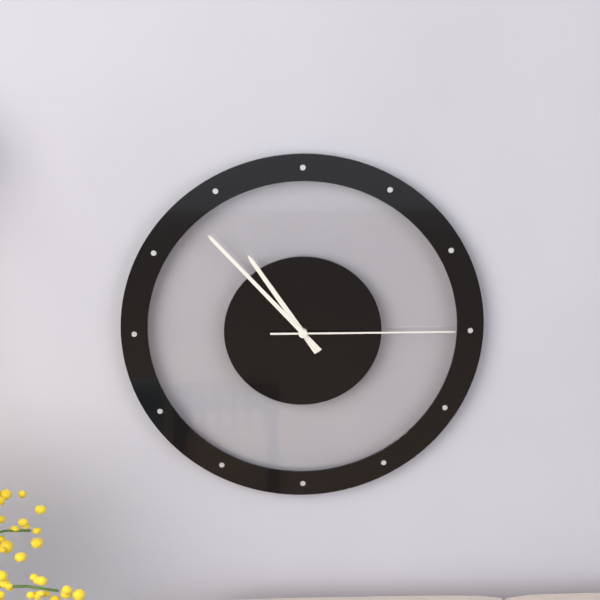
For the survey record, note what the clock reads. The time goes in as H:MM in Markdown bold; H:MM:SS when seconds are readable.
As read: **10:53:15**
